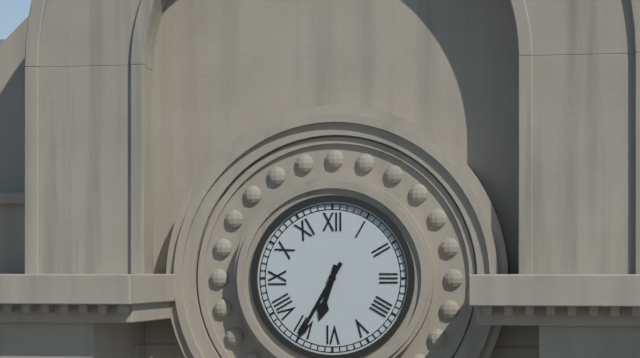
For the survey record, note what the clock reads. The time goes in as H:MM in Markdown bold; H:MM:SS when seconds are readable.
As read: **6:35**
